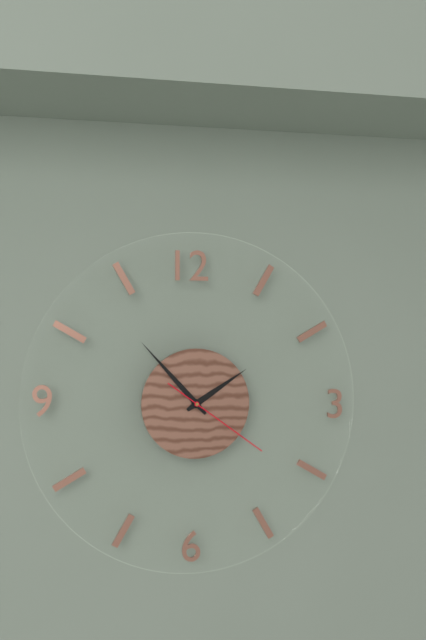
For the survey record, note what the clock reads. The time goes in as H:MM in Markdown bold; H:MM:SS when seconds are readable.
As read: **1:53:21**
